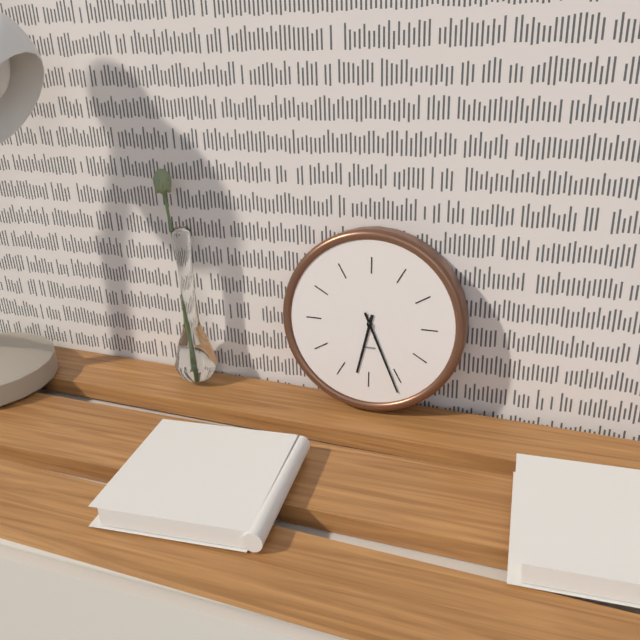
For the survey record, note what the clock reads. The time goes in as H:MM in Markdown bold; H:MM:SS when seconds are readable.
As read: **6:26**
